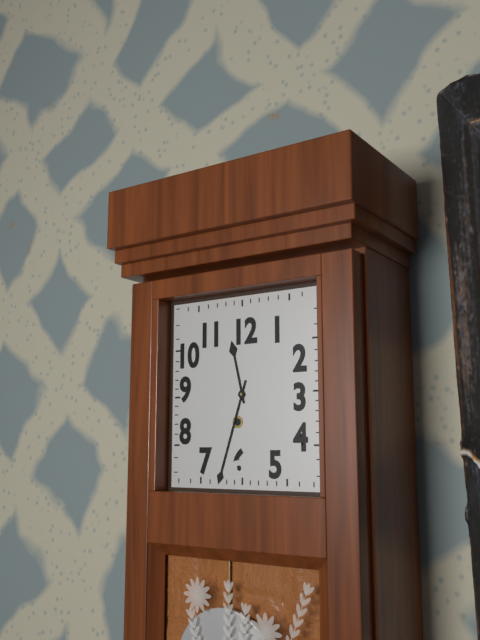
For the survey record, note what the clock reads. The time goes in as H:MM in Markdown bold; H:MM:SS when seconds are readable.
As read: **11:33**
